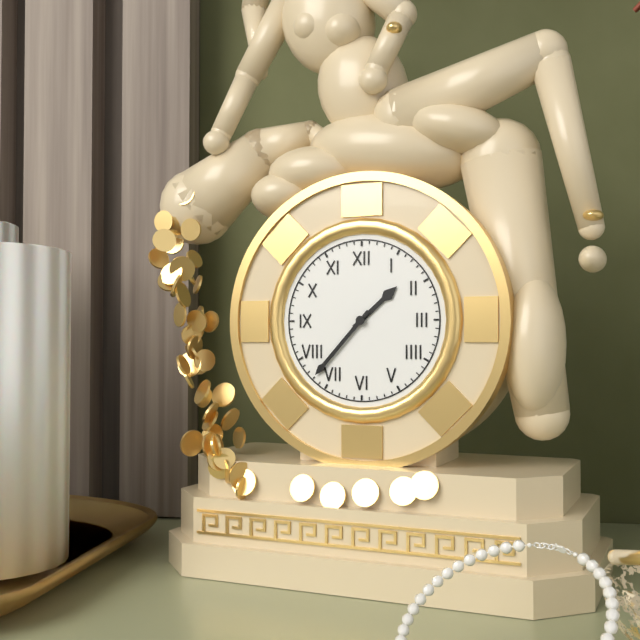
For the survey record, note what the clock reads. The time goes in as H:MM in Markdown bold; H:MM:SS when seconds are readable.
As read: **1:37**
